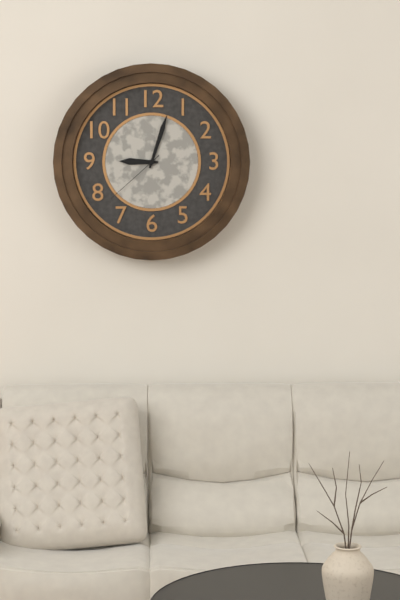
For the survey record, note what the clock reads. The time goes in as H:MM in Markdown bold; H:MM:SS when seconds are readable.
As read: **9:03:38**
